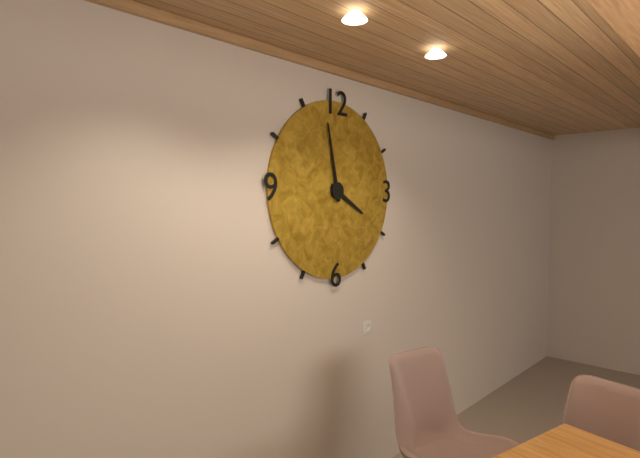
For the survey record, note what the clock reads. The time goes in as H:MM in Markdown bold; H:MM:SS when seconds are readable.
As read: **3:58**
